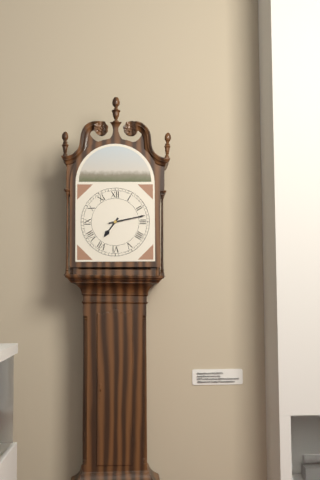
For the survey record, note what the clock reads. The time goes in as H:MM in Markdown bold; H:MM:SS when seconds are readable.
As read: **7:13**
